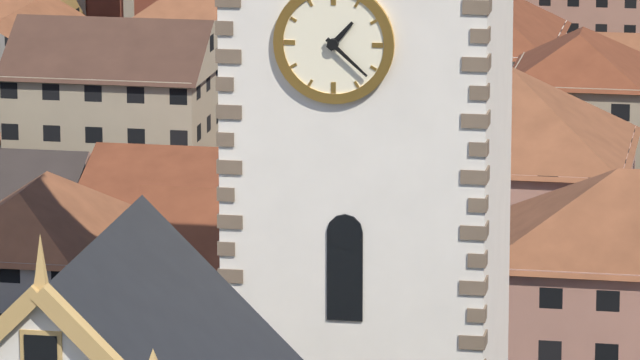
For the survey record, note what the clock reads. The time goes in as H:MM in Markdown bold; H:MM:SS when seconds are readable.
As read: **1:22**
